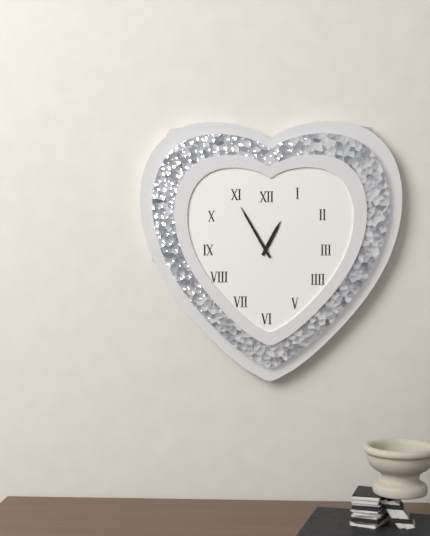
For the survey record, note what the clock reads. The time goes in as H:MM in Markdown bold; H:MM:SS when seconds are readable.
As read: **12:55**
